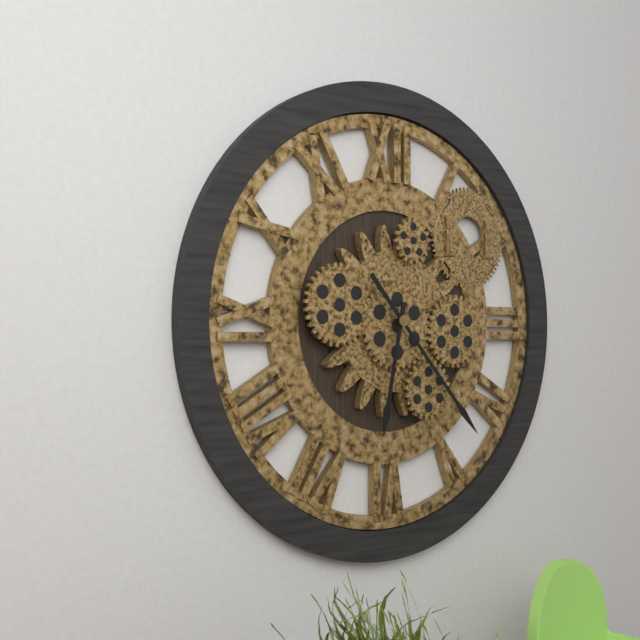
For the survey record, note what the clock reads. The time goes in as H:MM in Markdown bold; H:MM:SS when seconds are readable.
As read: **6:23**
